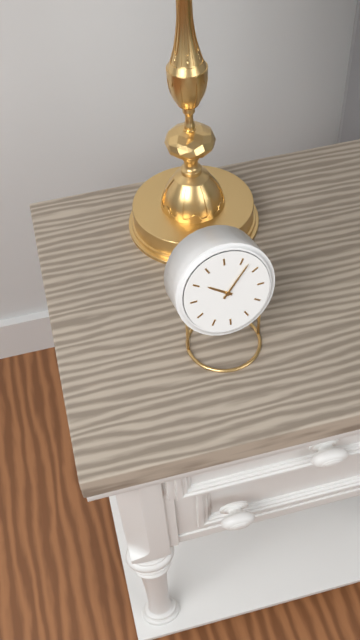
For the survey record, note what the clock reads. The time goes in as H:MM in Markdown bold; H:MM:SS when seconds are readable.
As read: **10:07**
